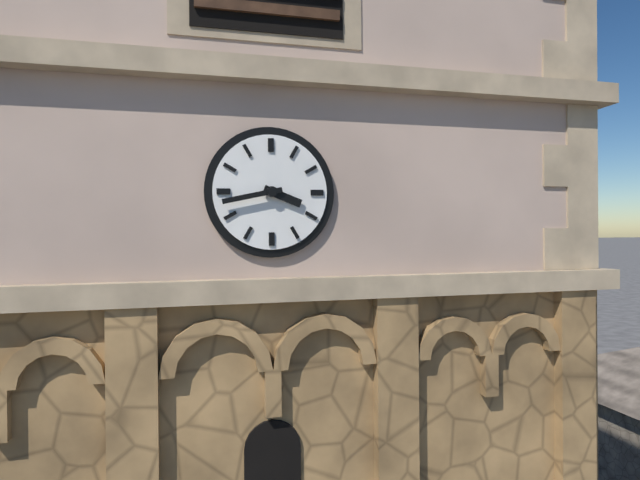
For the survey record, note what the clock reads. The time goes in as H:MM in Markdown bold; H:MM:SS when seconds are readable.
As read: **3:43**
